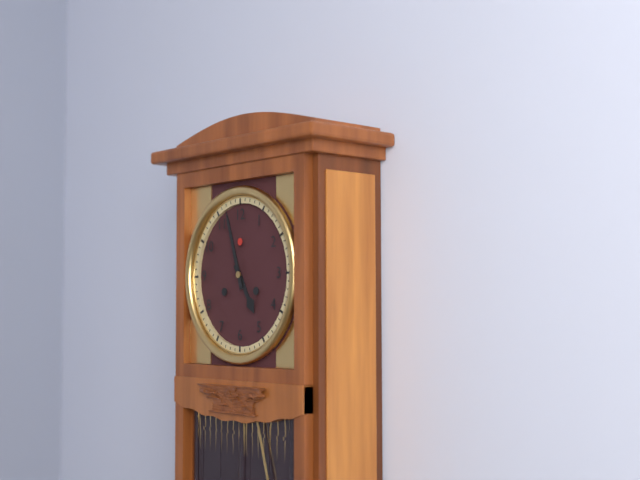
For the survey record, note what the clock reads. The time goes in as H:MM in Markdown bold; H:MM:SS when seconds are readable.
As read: **4:57**
